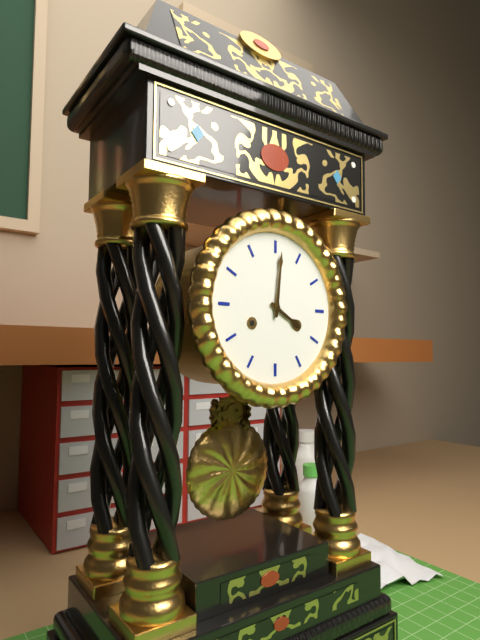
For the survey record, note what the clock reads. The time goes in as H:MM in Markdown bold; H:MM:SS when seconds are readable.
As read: **4:01**
